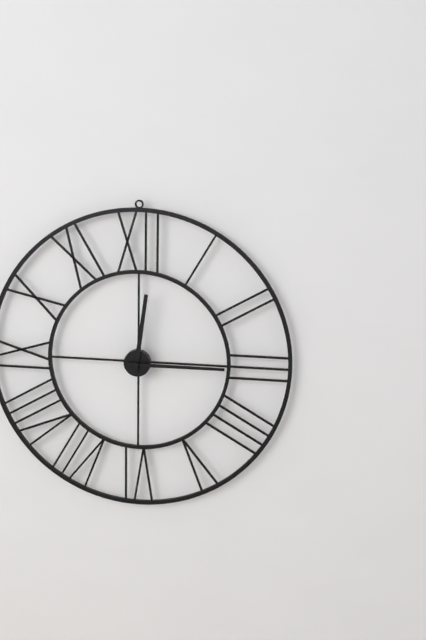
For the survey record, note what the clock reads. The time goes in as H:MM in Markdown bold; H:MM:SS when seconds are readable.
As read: **12:15**
